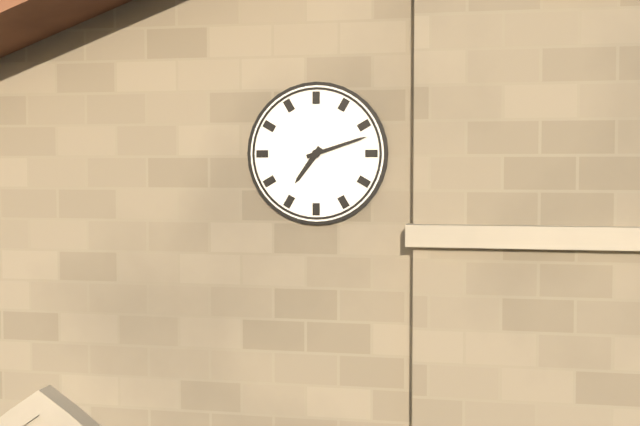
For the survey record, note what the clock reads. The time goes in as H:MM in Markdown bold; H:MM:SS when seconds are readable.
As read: **7:12**
